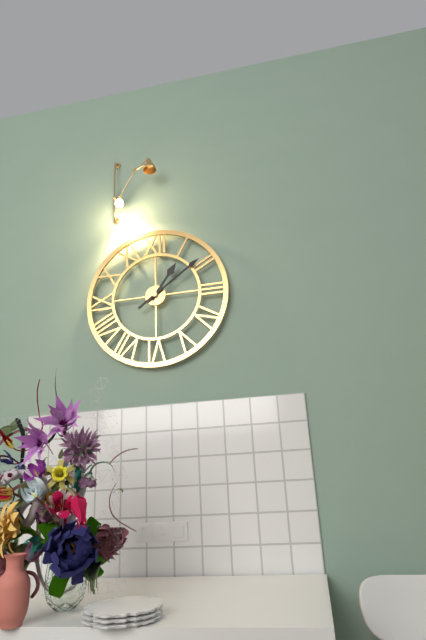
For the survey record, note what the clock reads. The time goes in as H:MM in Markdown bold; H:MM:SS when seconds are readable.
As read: **1:09**
